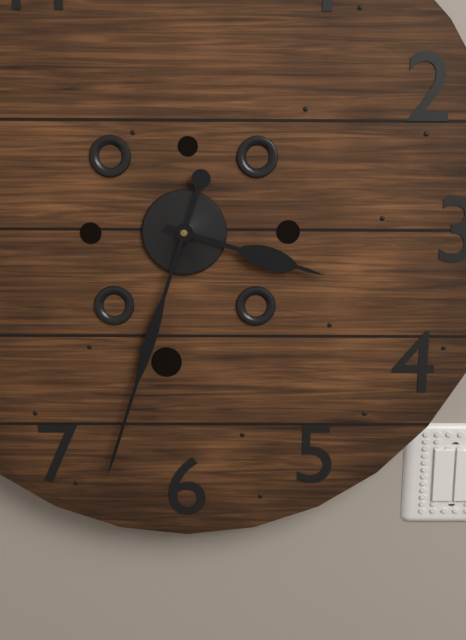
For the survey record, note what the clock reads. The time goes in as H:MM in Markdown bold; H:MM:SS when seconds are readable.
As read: **3:33**
